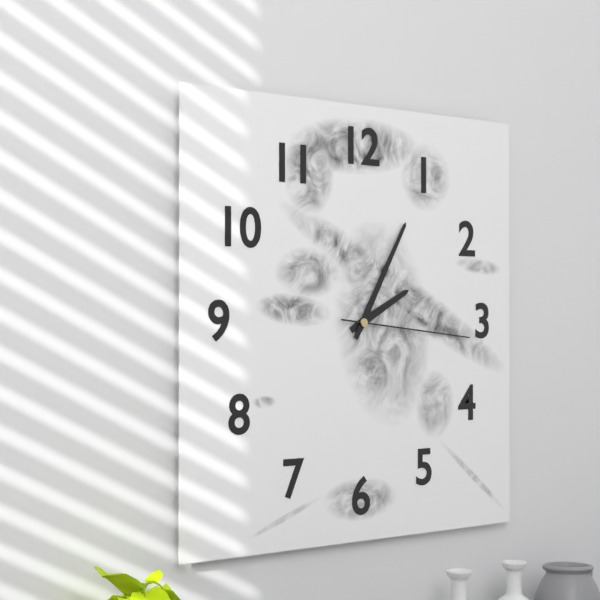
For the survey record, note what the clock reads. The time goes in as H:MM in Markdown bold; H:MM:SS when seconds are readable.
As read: **2:05:16**
